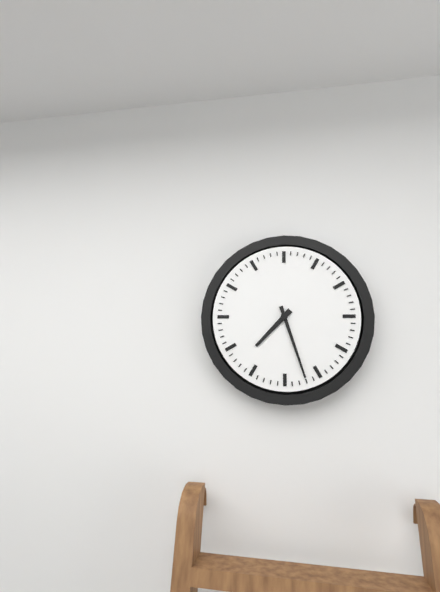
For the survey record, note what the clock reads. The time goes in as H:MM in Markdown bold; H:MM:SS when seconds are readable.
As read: **7:27**
